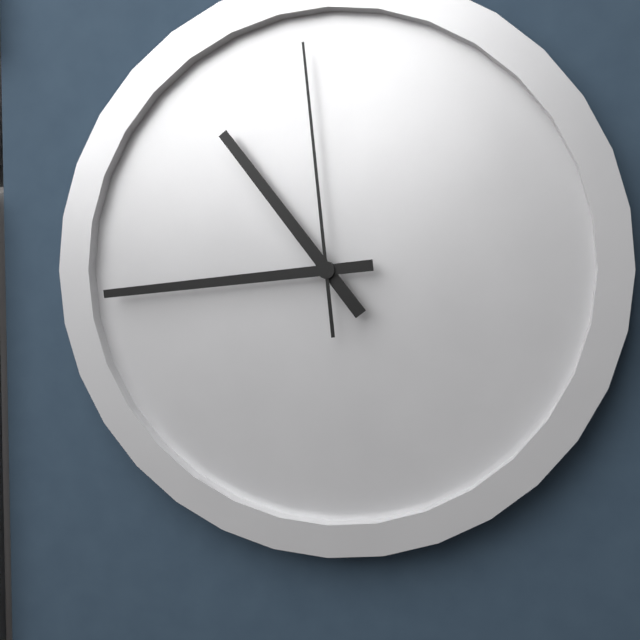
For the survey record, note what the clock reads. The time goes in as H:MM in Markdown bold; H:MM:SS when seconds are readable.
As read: **10:44:59**
